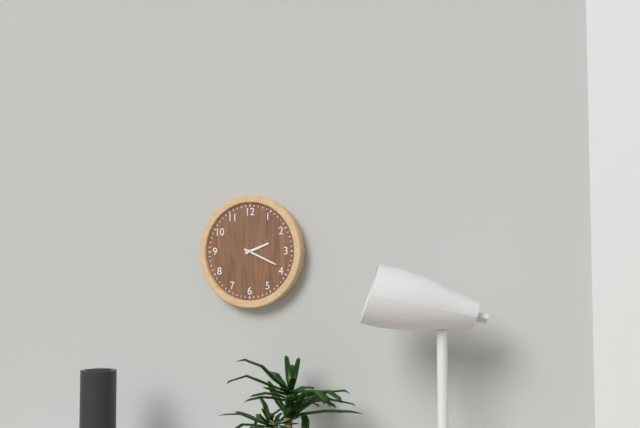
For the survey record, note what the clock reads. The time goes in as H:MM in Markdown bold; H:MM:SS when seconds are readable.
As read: **2:19**
